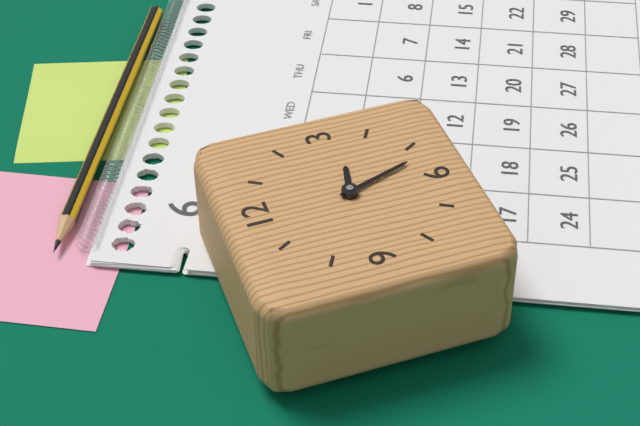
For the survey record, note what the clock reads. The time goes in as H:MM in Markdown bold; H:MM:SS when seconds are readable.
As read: **3:27**
